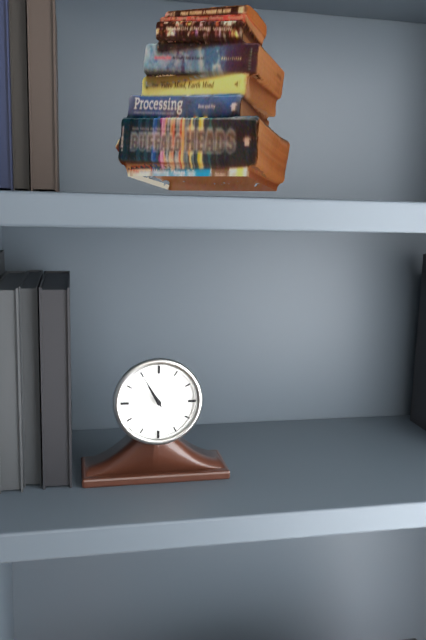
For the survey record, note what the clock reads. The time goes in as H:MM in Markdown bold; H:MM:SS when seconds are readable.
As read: **10:55**
